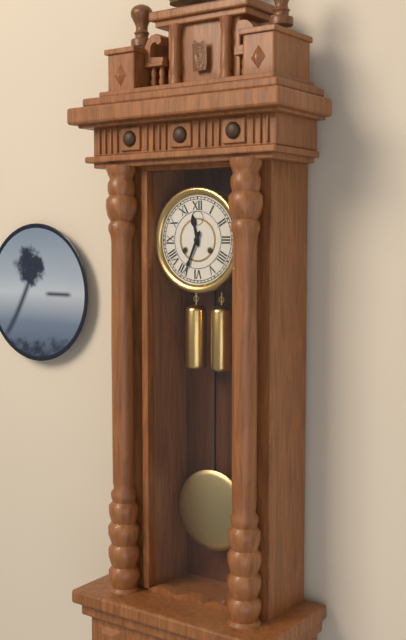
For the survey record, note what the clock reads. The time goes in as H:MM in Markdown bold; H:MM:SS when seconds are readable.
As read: **11:34**
